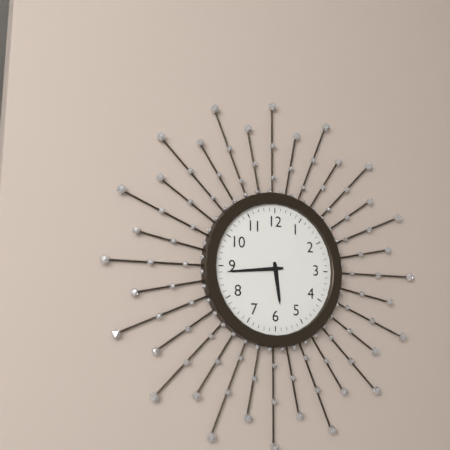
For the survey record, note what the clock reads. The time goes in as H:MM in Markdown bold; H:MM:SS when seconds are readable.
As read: **5:44**
